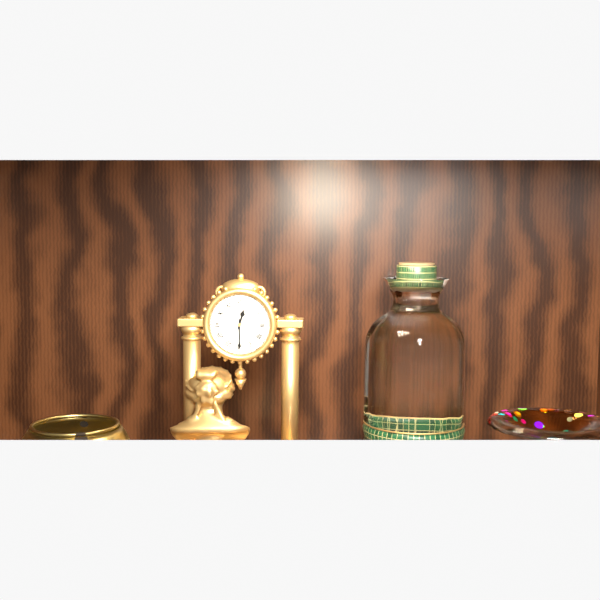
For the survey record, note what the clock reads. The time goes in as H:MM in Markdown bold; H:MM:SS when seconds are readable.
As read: **12:30**
